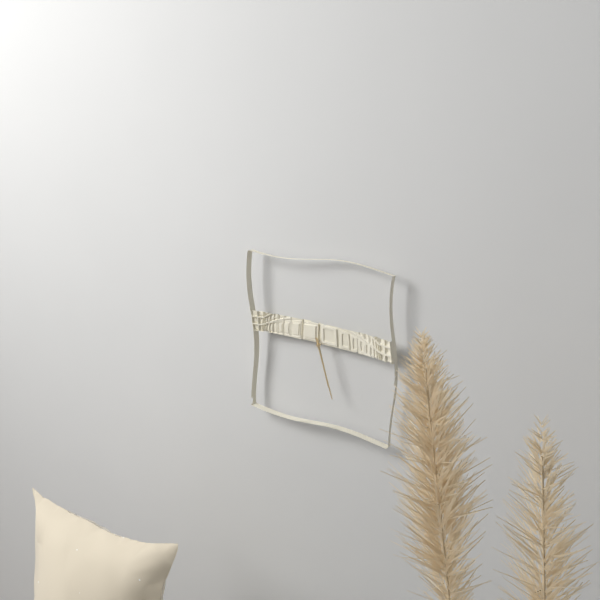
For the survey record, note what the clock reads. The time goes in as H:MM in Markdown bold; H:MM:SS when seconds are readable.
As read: **5:27**
